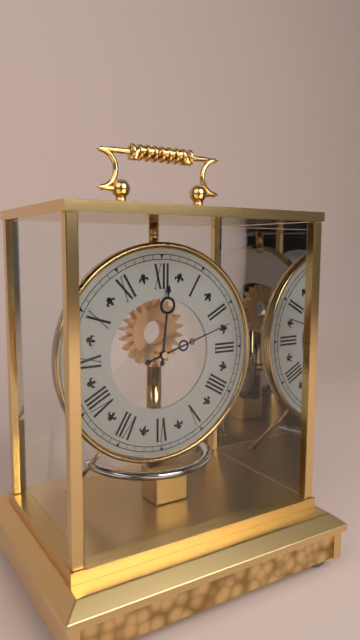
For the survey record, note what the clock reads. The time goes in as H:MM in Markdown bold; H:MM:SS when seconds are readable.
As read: **12:12**
